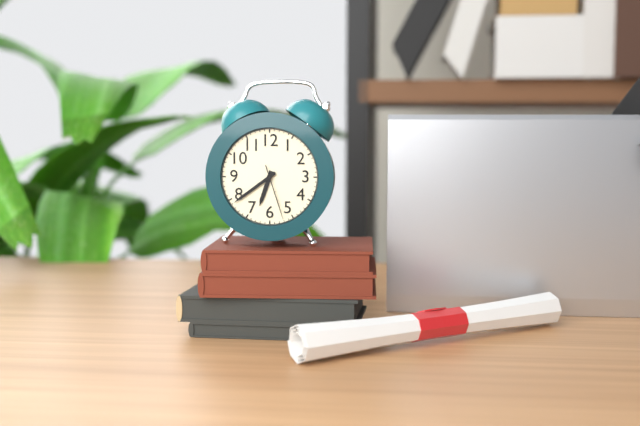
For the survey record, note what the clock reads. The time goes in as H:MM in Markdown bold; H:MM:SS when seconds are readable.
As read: **6:39:27**
